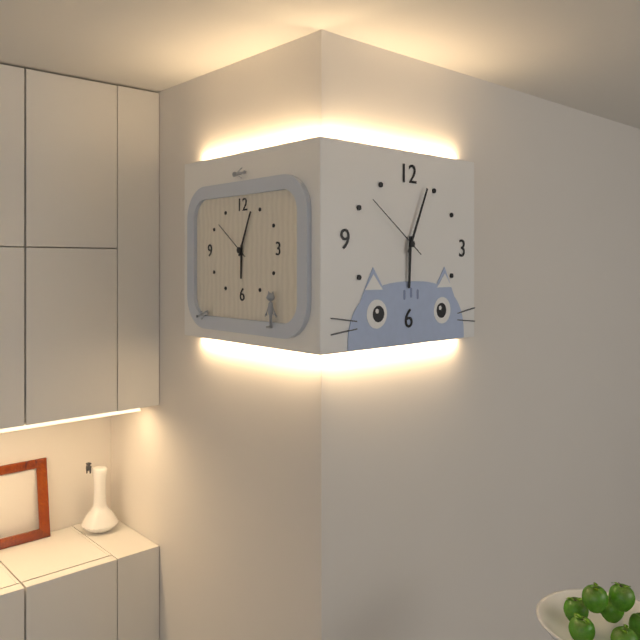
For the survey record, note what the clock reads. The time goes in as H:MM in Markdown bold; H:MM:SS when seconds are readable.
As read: **6:04:51**
